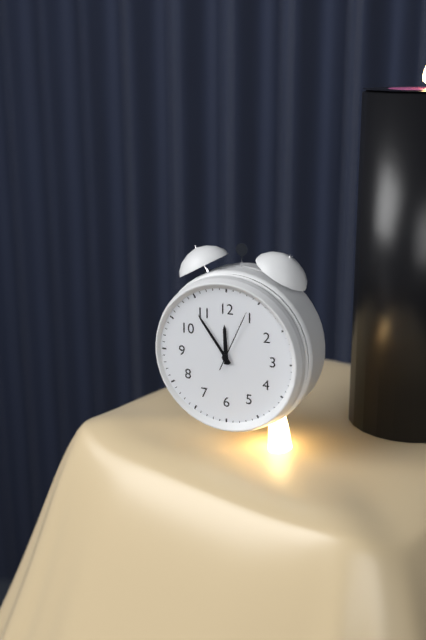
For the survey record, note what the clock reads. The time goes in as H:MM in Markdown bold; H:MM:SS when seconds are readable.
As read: **11:54:04**
